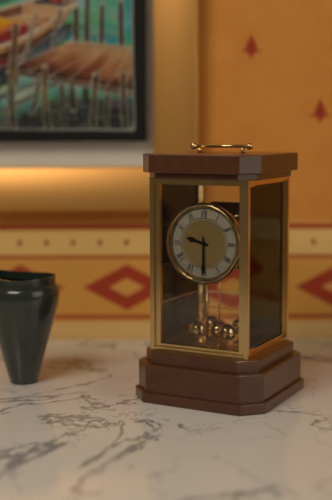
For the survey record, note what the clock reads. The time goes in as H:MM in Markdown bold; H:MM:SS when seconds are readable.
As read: **9:30**
